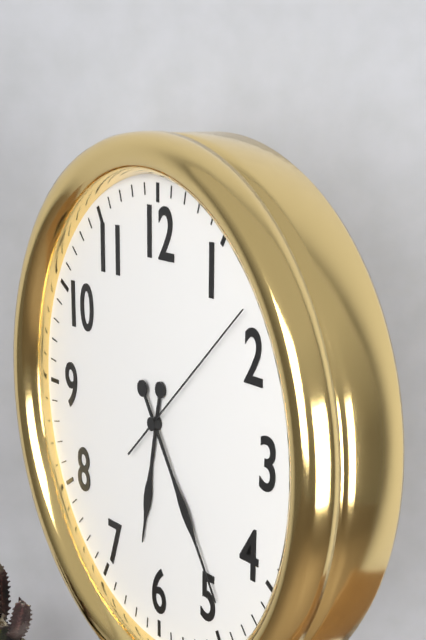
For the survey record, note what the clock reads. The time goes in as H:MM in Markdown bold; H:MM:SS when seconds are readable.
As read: **6:24:08**
